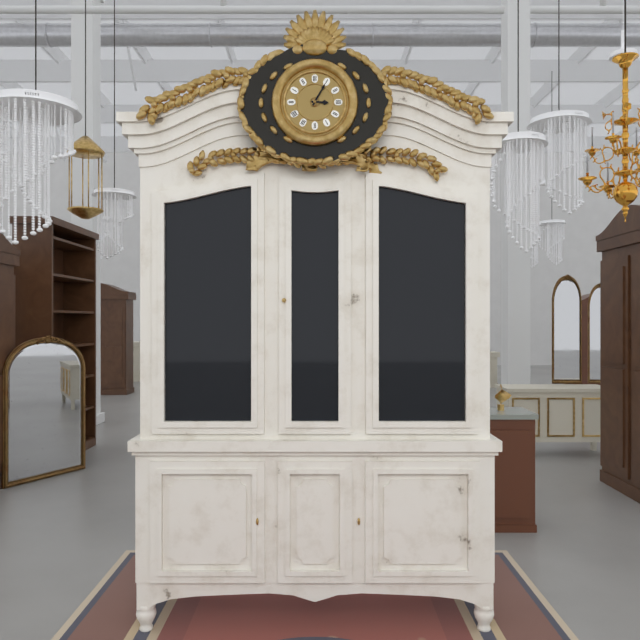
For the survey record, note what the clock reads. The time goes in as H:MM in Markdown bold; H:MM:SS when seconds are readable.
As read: **3:05**
